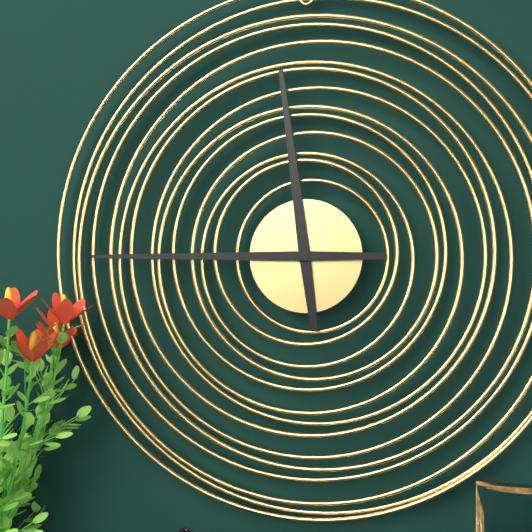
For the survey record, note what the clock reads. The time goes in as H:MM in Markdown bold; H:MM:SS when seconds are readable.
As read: **11:45**
